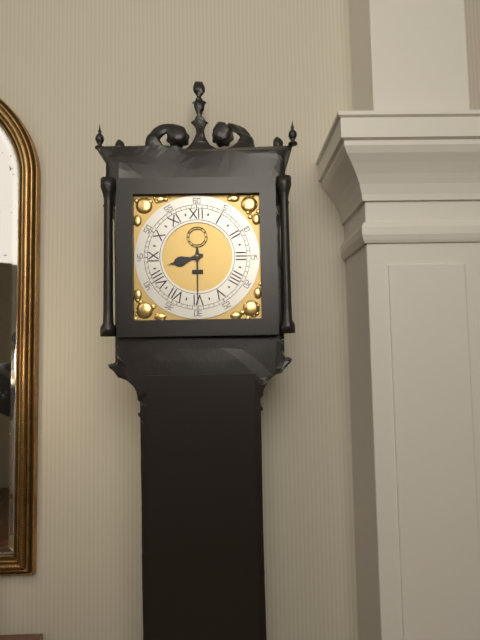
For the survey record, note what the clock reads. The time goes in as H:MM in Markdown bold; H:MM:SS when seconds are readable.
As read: **8:30**
